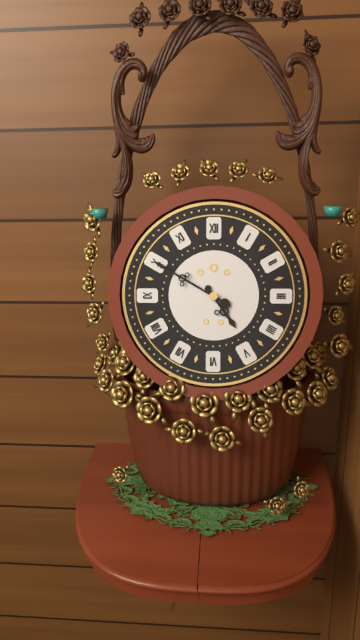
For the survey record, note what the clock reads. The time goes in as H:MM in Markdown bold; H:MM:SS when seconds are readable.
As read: **4:50**
